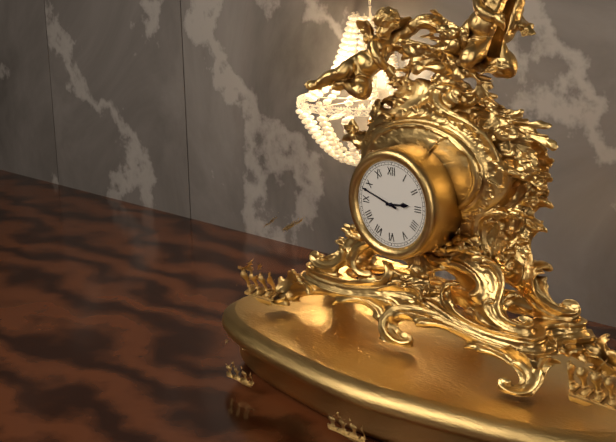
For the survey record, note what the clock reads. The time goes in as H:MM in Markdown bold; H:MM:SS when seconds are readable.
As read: **2:48**
